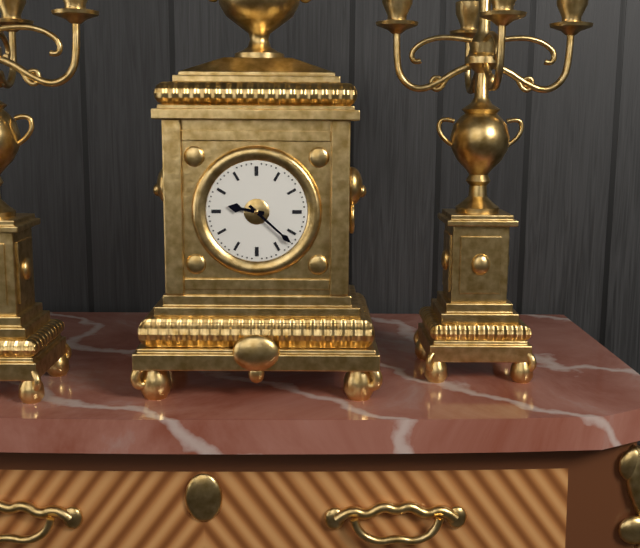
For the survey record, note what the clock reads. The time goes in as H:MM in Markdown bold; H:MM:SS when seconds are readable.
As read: **9:22**
